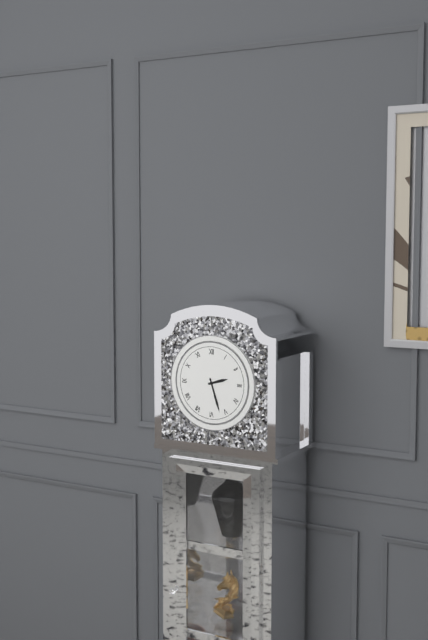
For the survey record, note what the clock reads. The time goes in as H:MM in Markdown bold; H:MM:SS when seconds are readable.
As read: **2:27**
